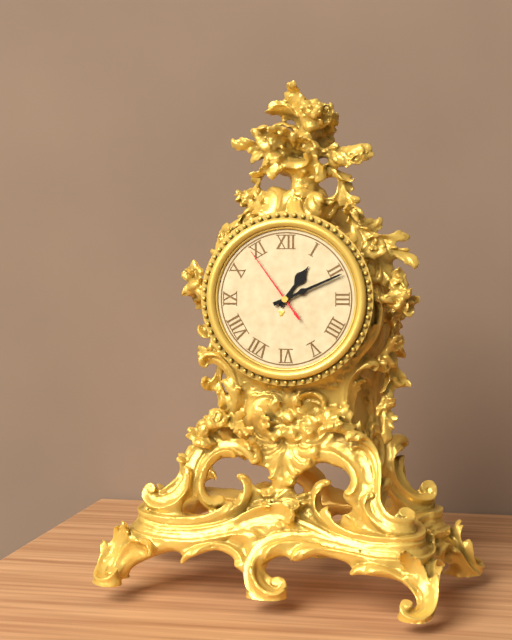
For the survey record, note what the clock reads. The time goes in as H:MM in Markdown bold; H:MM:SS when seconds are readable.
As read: **1:11:54**
